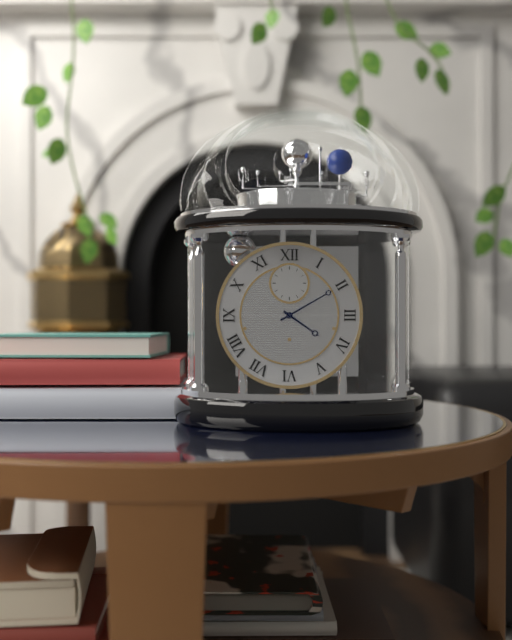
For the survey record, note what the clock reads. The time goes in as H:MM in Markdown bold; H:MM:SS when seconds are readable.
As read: **4:10**
